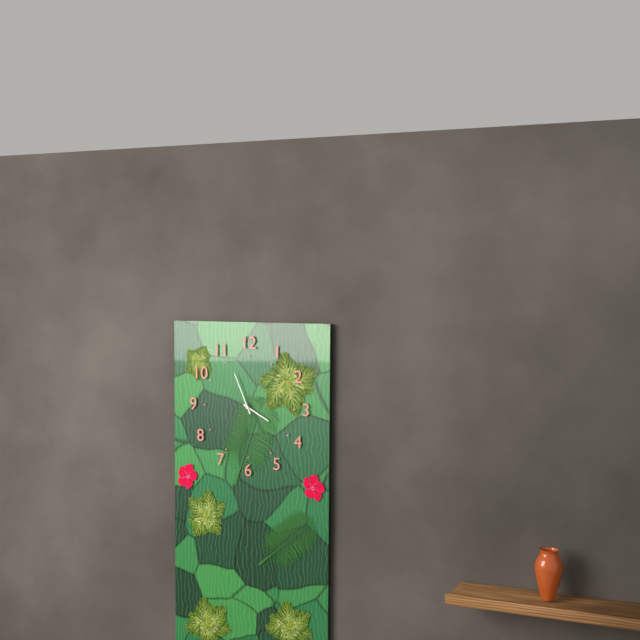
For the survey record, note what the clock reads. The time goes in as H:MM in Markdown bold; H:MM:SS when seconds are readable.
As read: **3:56**
